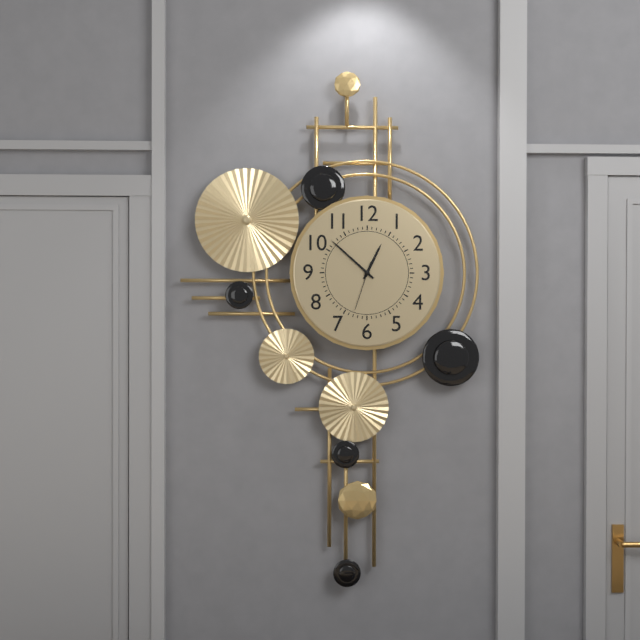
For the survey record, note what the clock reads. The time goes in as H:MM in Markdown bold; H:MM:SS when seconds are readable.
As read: **12:52**
